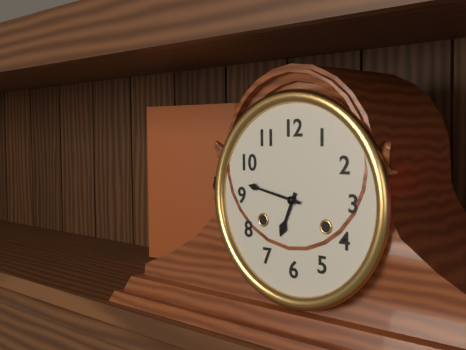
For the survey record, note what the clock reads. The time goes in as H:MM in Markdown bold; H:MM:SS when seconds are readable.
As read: **6:47**
